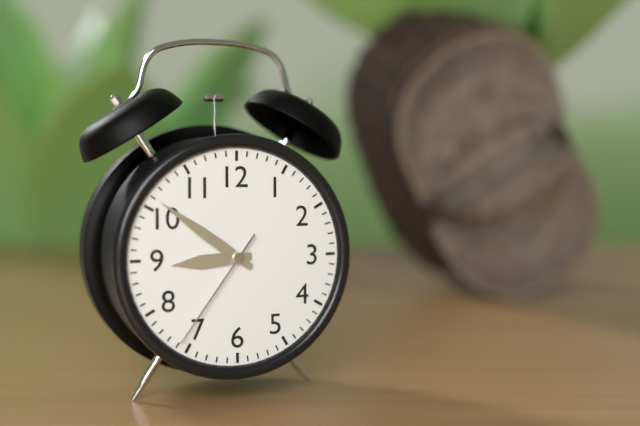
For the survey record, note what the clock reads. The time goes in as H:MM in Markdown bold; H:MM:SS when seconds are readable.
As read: **8:51:36**
